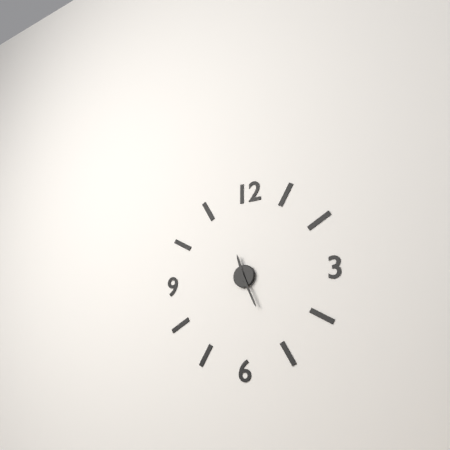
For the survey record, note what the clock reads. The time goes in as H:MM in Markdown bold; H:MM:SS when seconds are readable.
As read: **11:26**
